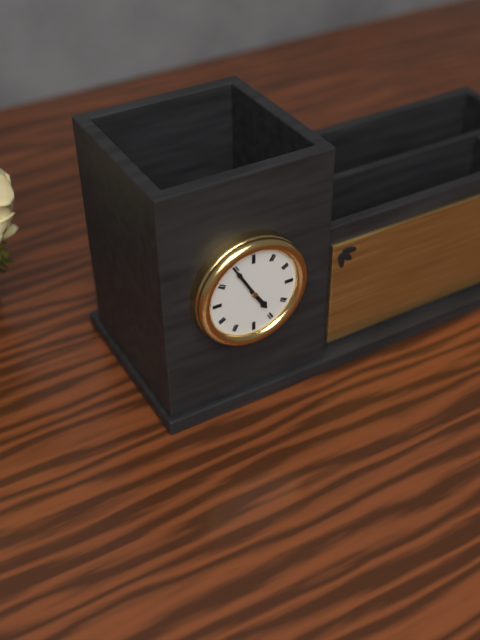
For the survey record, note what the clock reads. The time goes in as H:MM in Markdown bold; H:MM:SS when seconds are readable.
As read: **4:55**
